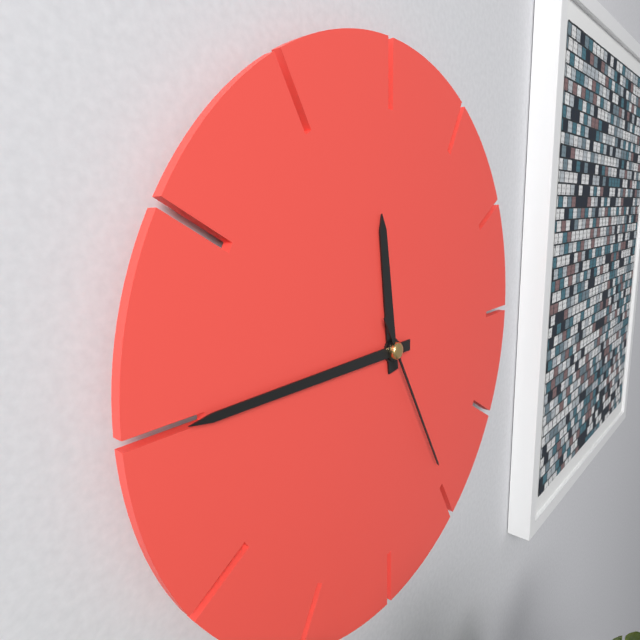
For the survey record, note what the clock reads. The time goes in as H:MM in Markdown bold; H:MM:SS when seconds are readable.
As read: **11:45:25**
